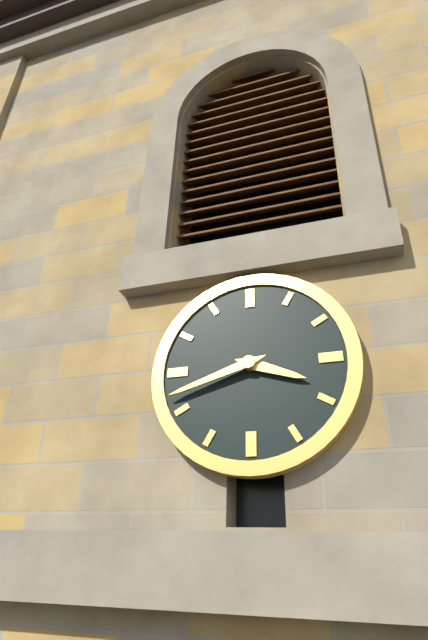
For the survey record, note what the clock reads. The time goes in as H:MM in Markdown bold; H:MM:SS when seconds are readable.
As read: **3:42**
